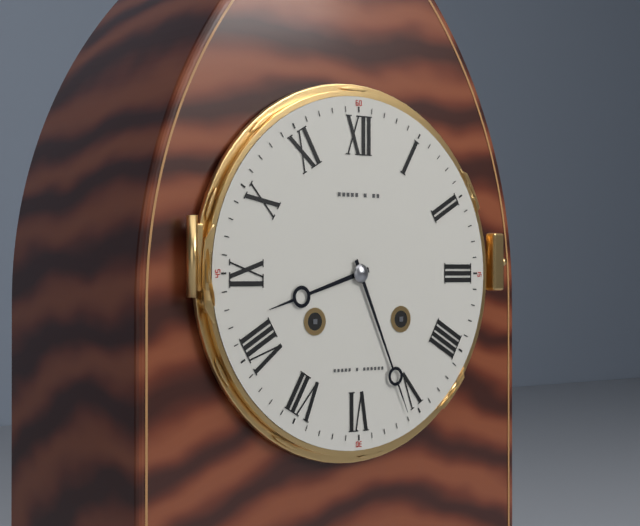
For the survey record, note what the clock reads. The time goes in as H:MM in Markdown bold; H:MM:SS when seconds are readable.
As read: **8:26**
